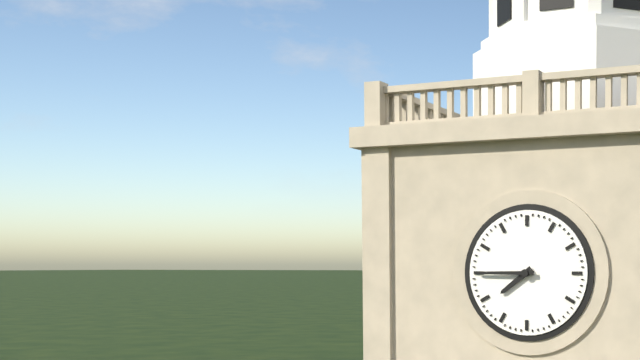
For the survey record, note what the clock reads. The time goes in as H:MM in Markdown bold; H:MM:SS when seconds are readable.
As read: **7:45**
